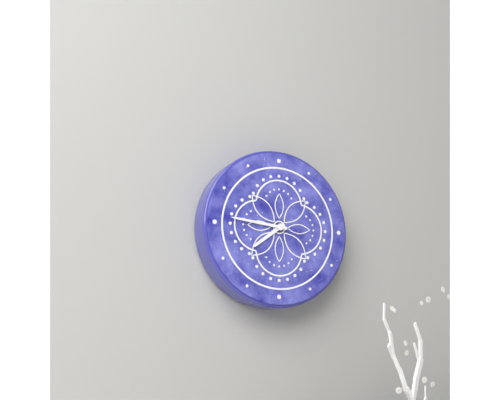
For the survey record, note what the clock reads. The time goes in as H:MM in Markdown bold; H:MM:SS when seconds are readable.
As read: **7:46**
